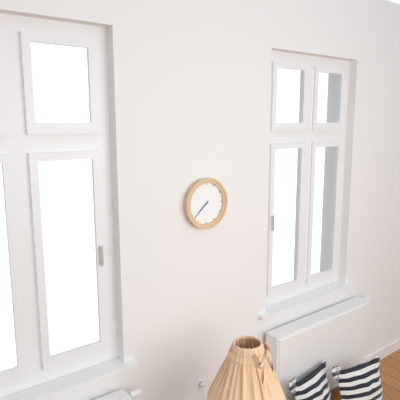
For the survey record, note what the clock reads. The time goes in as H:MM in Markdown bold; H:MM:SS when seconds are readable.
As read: **7:38**
